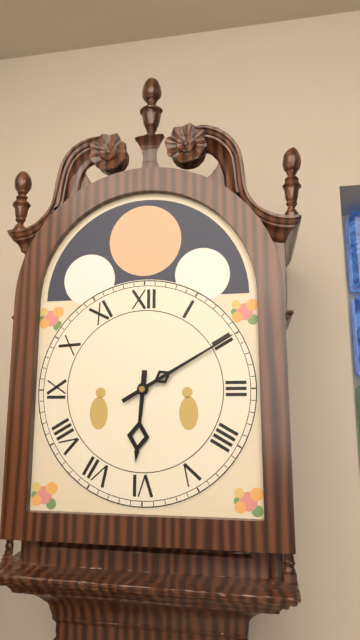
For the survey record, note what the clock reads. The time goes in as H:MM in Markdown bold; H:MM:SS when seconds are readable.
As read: **6:10**
